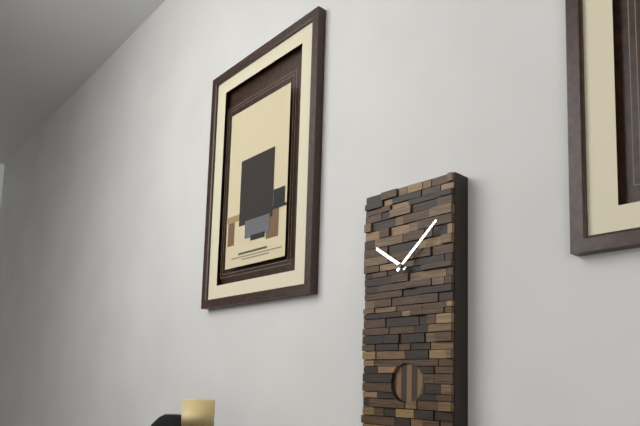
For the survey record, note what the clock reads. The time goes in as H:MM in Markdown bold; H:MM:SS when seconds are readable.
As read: **10:08**
